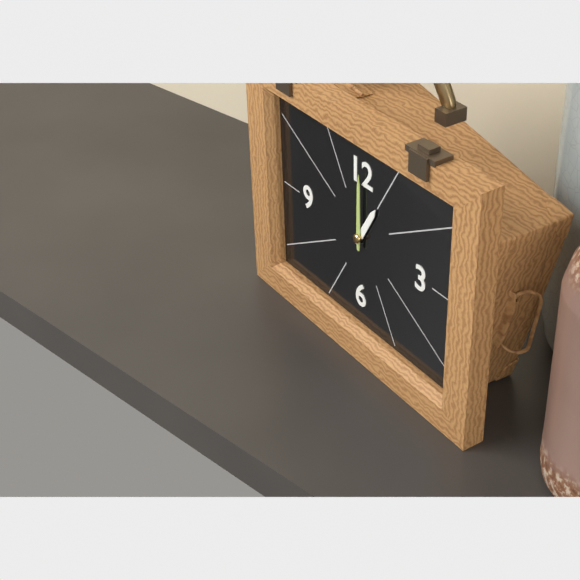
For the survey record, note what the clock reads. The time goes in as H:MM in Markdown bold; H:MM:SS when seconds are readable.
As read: **1:00**
